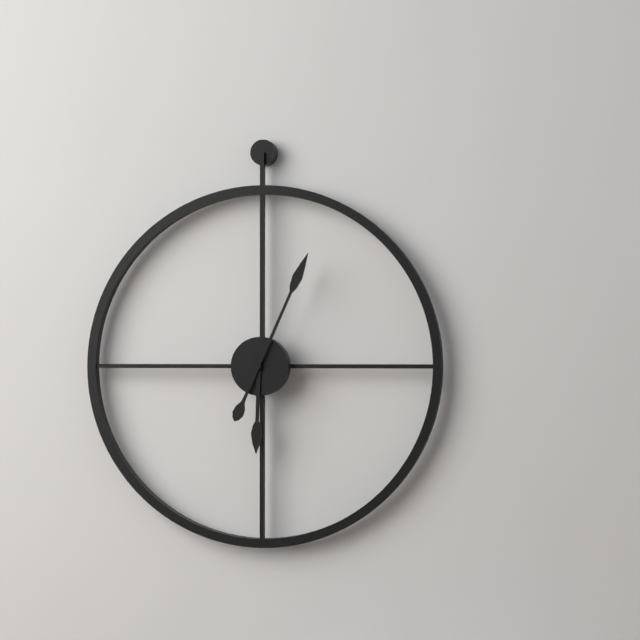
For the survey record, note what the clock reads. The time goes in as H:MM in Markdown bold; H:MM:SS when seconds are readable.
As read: **6:04**
